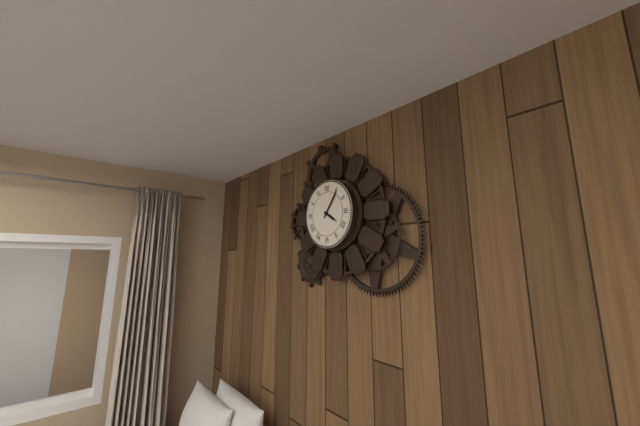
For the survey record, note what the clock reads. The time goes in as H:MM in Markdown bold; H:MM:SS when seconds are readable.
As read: **4:06**
